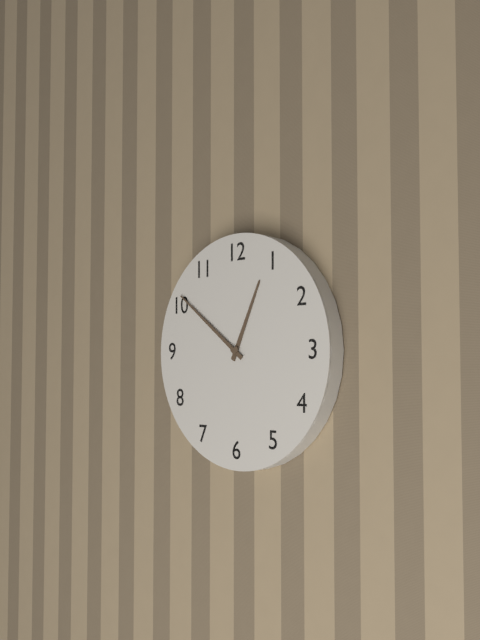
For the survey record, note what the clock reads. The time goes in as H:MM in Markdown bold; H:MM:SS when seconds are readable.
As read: **12:51**
